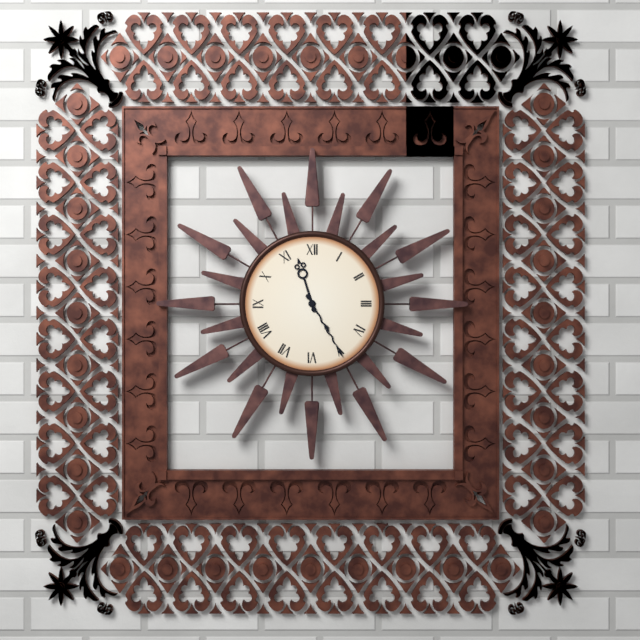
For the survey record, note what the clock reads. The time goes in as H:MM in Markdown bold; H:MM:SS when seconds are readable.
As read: **11:25**
